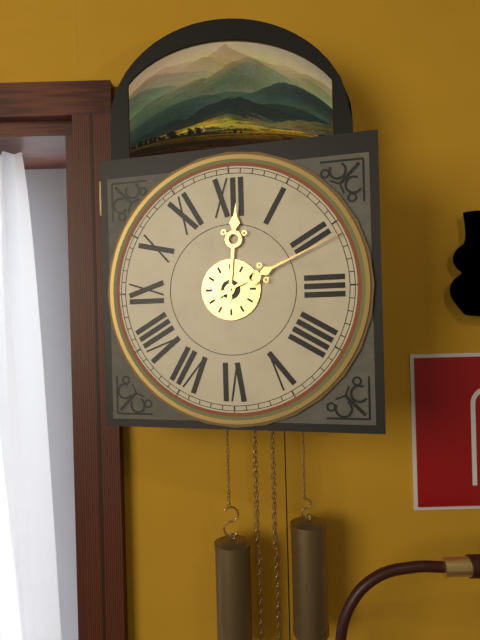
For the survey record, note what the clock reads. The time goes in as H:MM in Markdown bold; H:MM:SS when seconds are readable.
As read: **12:11**
